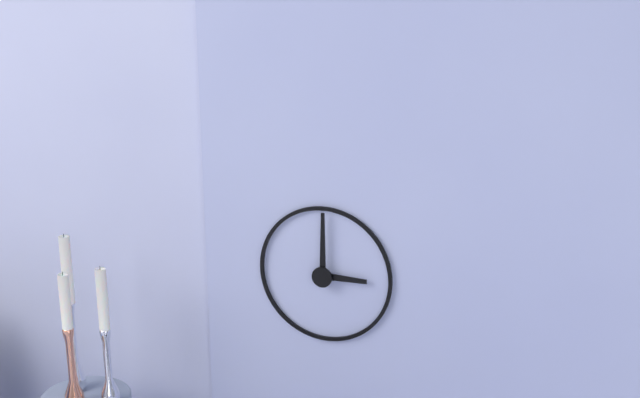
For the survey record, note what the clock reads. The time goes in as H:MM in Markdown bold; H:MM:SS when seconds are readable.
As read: **3:00**
